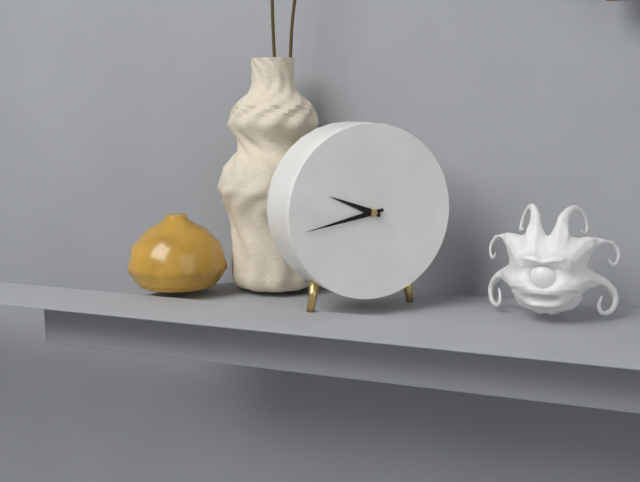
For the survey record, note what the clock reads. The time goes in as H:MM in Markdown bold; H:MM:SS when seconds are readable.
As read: **9:43**
